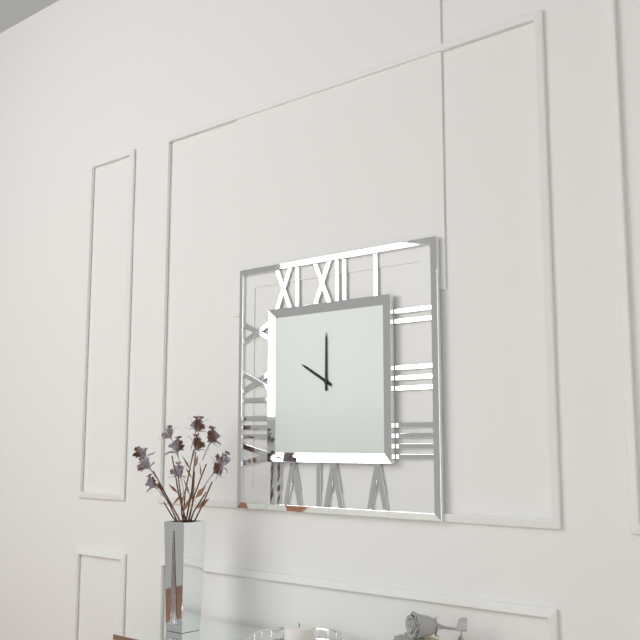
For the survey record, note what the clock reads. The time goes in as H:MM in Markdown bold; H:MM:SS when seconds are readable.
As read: **10:00**
